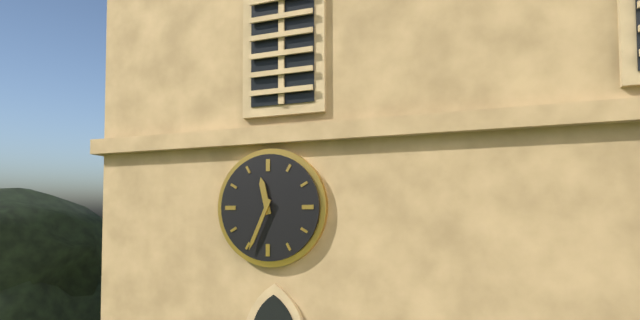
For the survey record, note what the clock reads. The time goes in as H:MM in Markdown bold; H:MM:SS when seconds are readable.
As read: **11:34**
